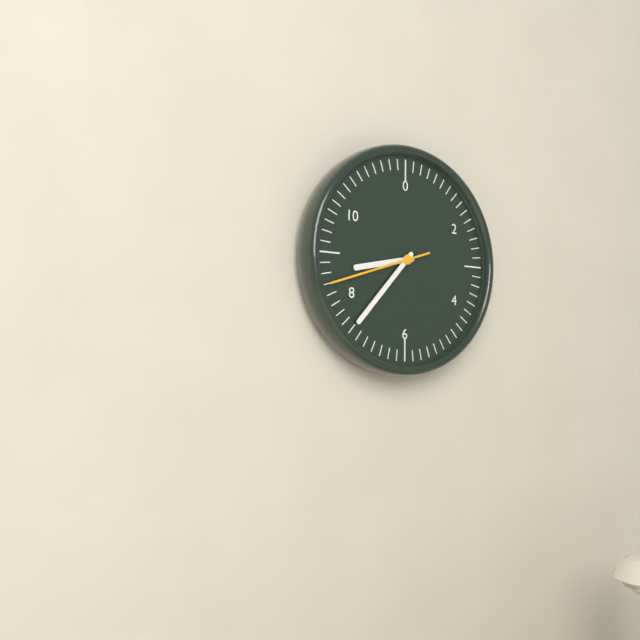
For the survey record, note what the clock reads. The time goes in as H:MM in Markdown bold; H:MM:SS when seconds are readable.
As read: **8:37:42**
